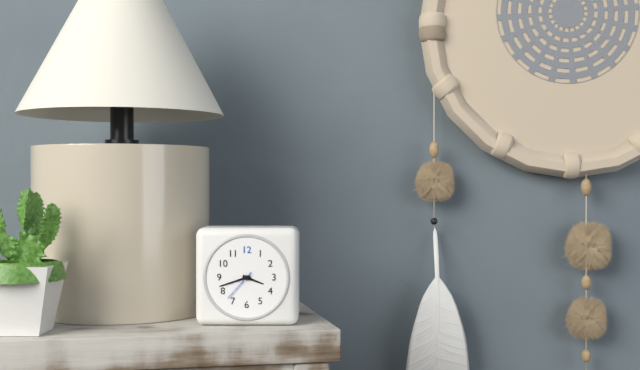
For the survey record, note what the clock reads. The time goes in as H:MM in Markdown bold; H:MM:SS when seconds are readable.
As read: **3:42**
